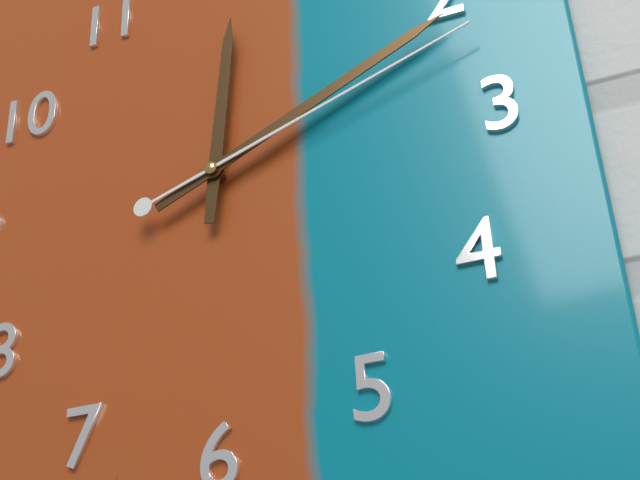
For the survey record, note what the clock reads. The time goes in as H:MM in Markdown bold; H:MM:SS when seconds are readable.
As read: **12:11:12**
